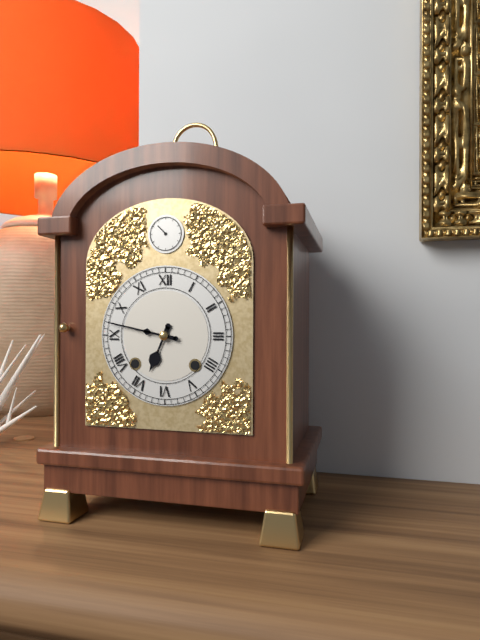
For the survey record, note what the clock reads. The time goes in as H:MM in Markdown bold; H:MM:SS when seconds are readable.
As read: **6:47**
